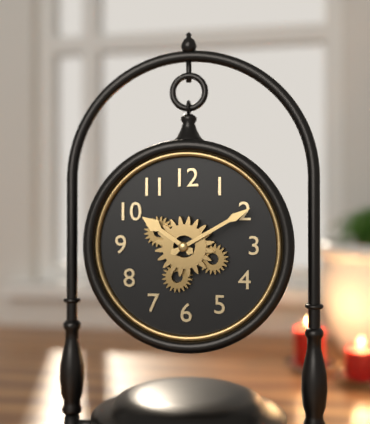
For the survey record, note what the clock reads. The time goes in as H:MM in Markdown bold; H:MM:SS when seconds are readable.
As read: **10:10**
